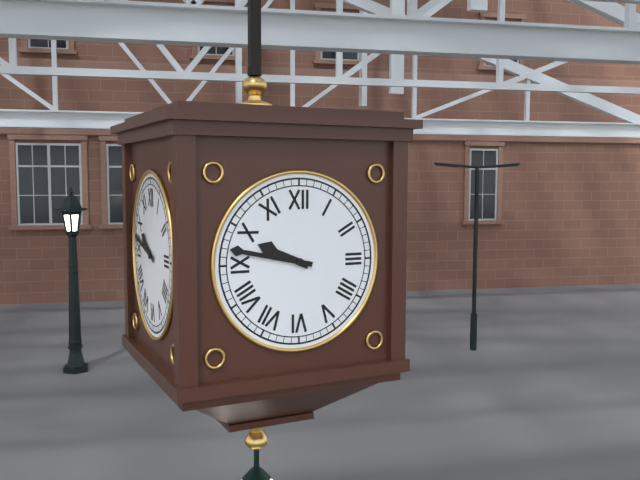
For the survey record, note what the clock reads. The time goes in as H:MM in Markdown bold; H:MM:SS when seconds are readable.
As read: **9:47**
